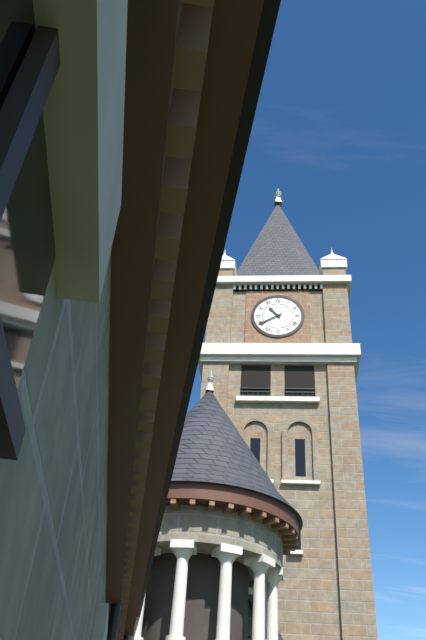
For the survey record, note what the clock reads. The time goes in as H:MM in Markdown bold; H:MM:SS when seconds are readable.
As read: **10:40**
